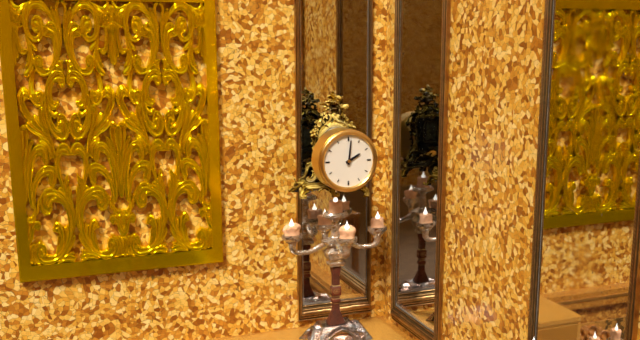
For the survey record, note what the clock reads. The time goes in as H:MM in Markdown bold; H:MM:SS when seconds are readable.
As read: **2:01**
